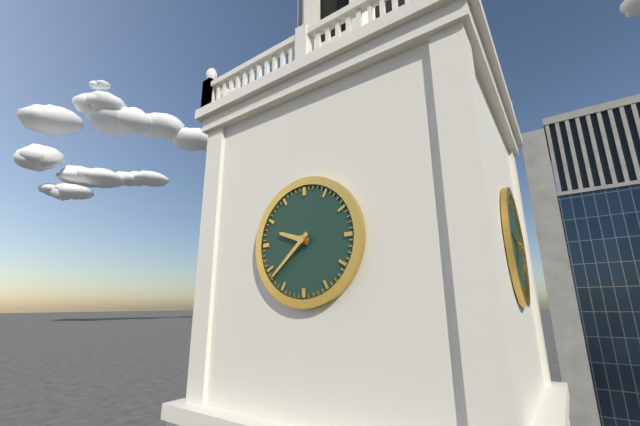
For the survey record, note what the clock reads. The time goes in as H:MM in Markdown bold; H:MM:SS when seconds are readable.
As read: **9:38**
